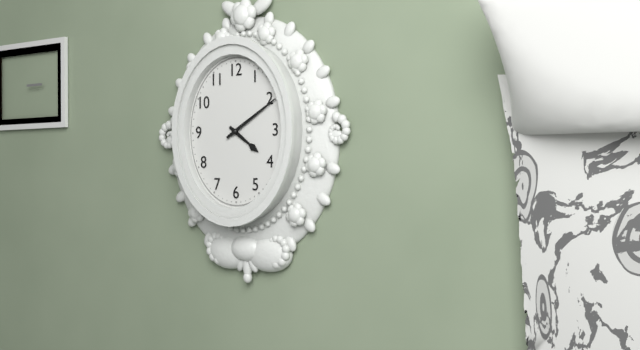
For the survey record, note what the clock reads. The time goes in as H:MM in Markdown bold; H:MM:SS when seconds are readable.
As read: **4:10**
